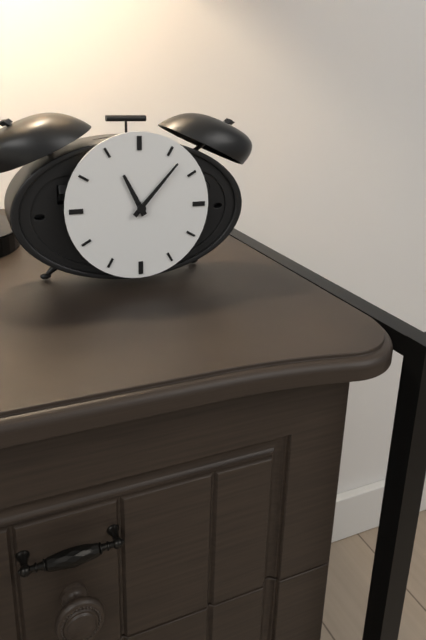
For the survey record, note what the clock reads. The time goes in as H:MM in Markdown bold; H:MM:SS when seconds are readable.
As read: **11:07**
